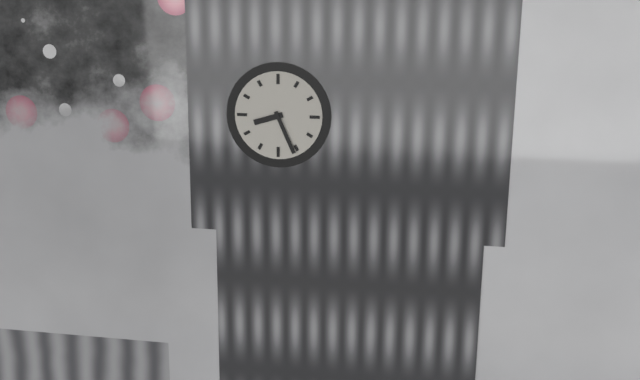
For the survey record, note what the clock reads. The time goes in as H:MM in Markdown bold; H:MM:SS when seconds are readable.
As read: **8:26**
